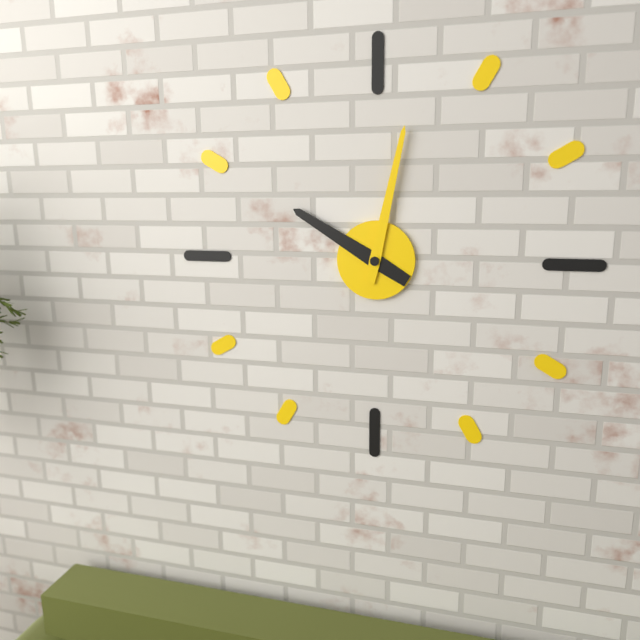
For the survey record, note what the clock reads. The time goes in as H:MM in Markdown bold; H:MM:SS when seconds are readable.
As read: **10:02**
